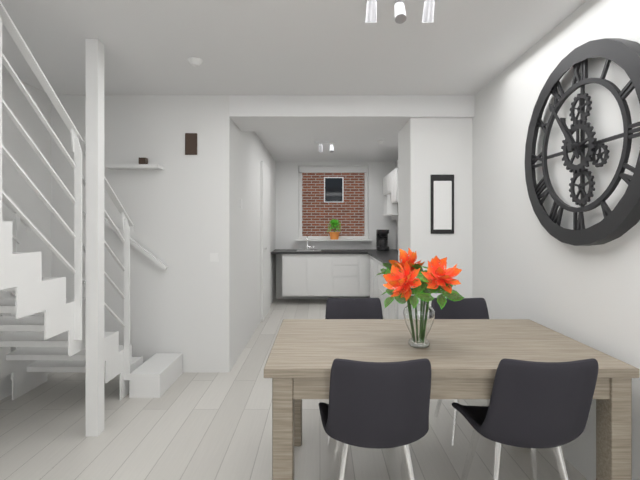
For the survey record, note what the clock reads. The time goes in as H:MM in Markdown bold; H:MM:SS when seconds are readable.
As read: **10:54**
